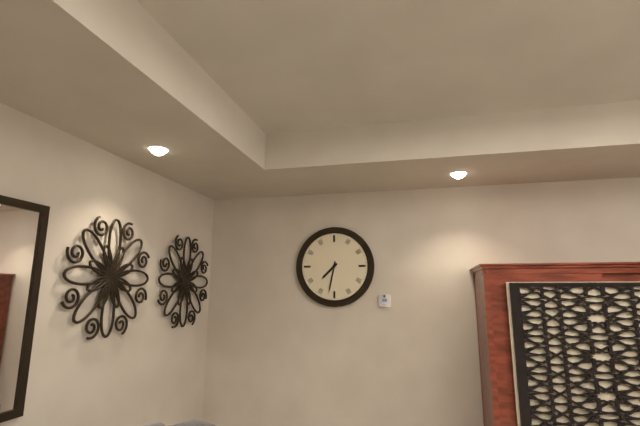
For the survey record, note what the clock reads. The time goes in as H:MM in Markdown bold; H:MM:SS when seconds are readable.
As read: **7:32**
